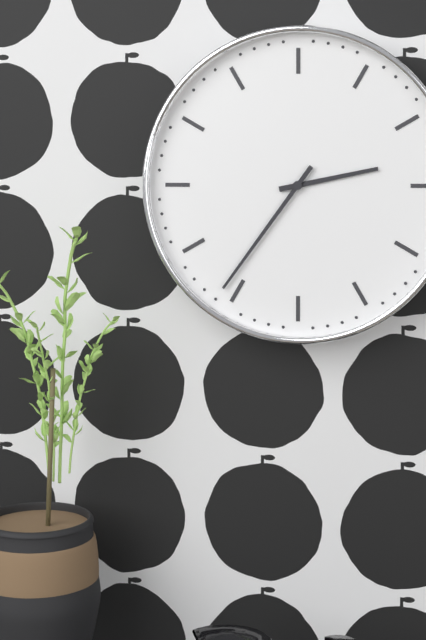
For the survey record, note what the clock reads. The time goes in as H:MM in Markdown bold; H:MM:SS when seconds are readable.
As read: **2:36**
